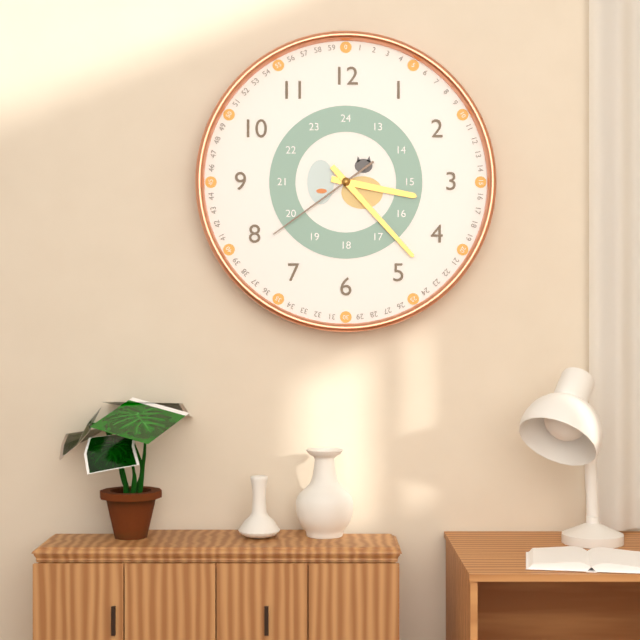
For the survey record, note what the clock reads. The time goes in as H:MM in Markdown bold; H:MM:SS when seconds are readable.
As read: **3:23:39**
